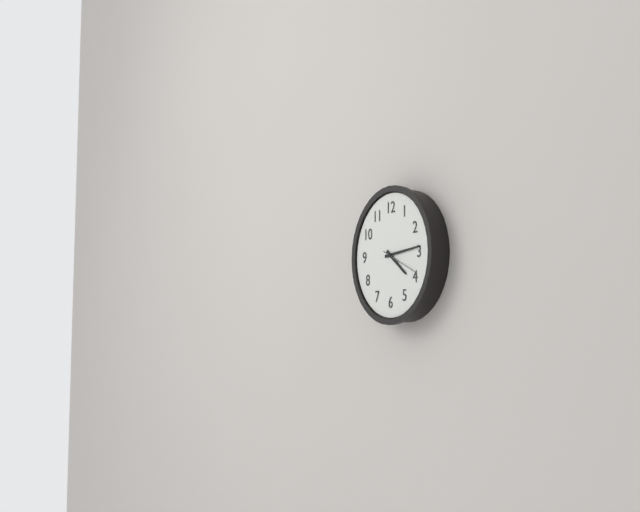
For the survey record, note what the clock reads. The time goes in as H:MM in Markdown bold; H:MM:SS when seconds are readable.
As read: **4:14**
